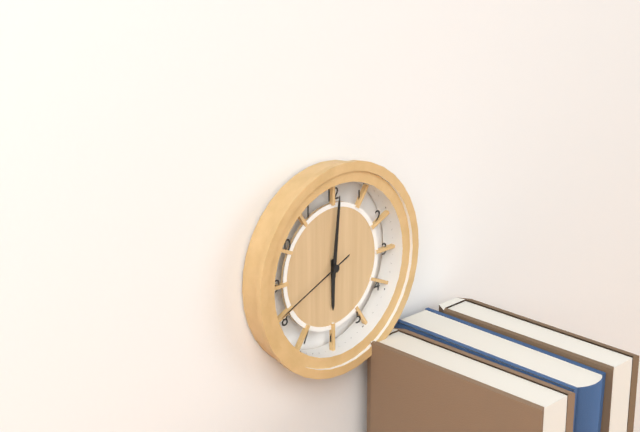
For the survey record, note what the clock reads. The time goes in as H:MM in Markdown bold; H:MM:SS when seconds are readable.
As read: **6:01:41**
